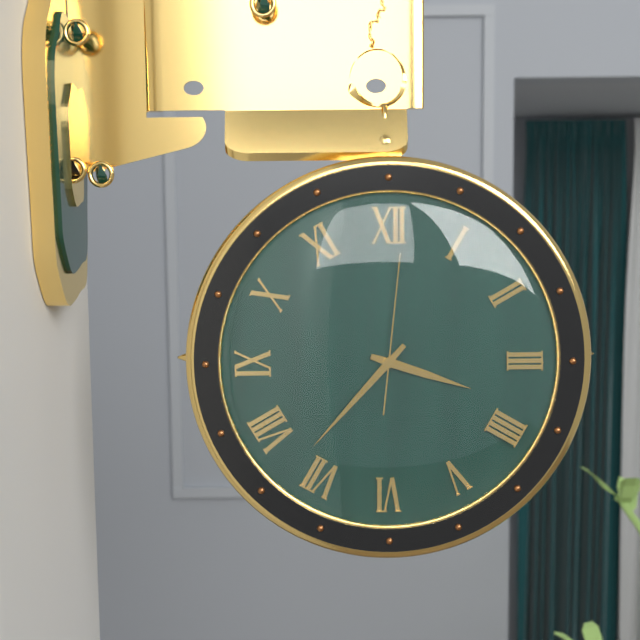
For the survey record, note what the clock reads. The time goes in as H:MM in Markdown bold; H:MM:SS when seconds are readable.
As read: **3:37:01**
